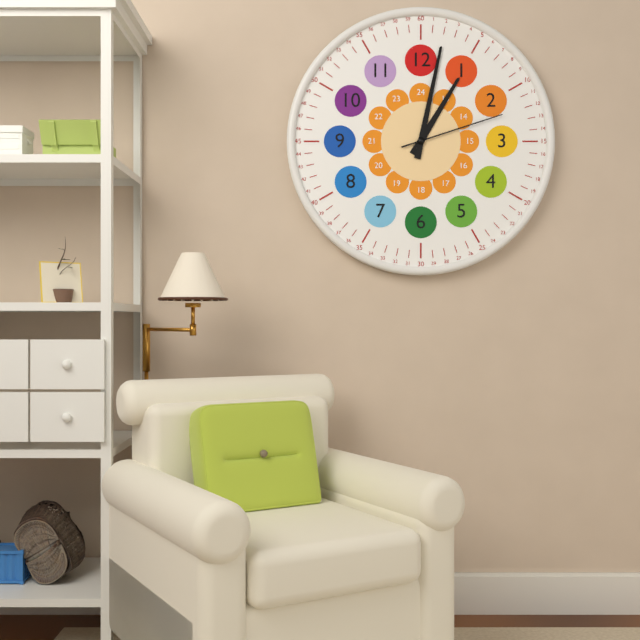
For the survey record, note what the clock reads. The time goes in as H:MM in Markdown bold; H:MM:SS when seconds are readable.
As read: **1:02:12**
